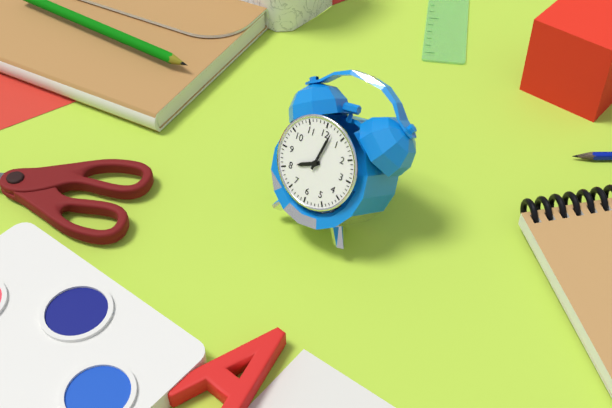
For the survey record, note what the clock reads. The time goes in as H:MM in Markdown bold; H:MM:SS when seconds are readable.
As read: **8:02**
